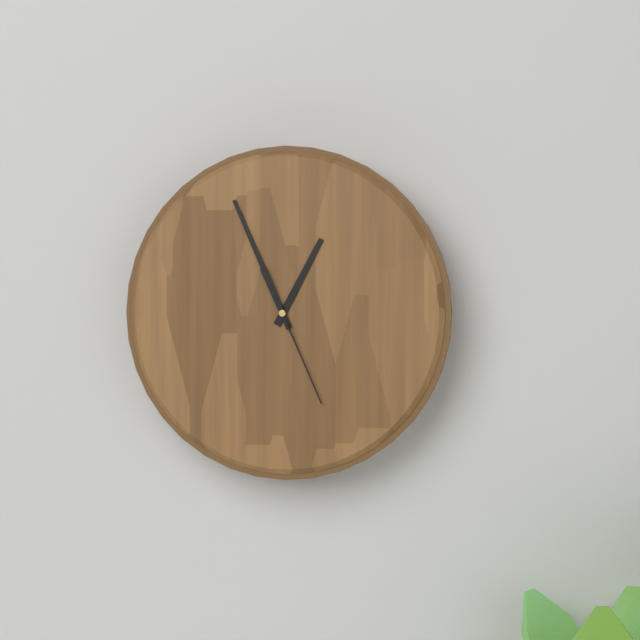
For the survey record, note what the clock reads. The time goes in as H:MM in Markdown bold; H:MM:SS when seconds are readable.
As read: **12:56:26**
